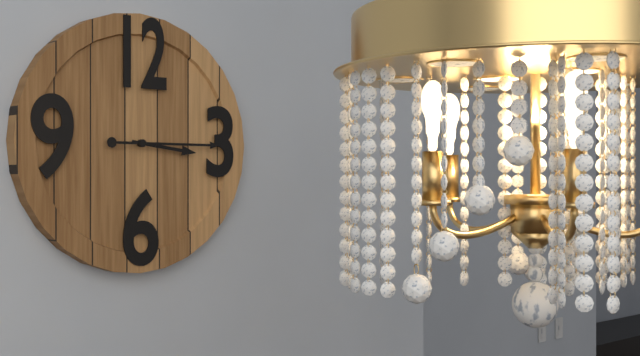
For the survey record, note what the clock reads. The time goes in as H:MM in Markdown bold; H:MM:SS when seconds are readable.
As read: **3:15**
